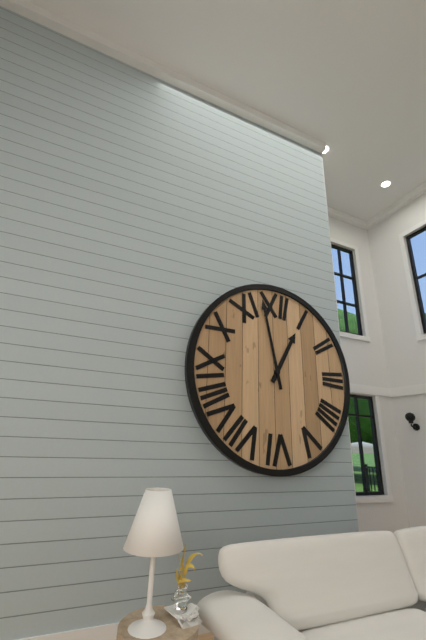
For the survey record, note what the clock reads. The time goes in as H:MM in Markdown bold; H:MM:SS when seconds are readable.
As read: **12:58**
